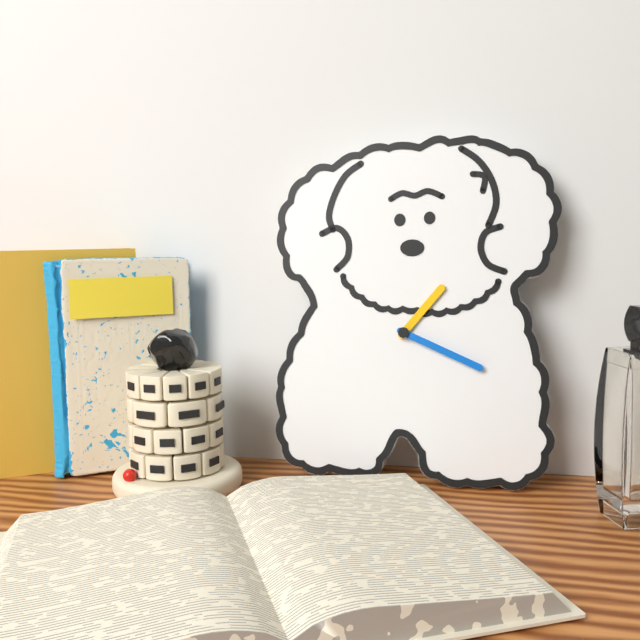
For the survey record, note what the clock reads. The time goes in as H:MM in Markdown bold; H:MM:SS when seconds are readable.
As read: **1:19**
